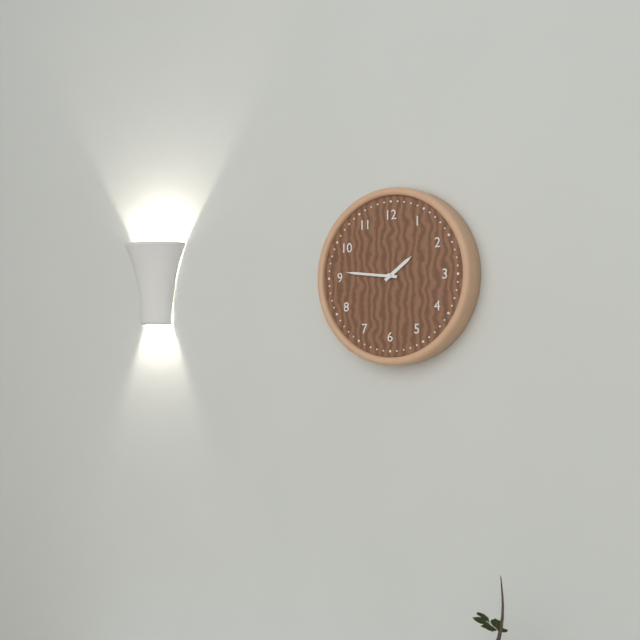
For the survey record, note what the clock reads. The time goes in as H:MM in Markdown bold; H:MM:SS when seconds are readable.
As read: **1:46**
